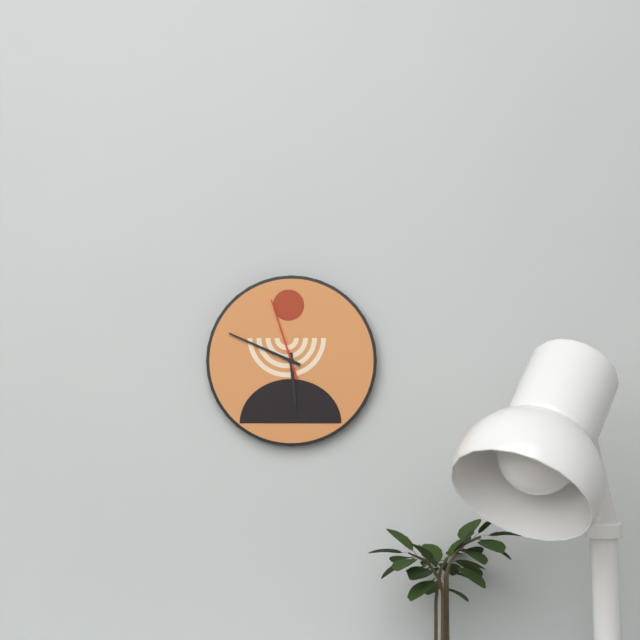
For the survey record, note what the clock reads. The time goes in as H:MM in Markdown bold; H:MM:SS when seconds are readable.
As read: **5:49:57**
